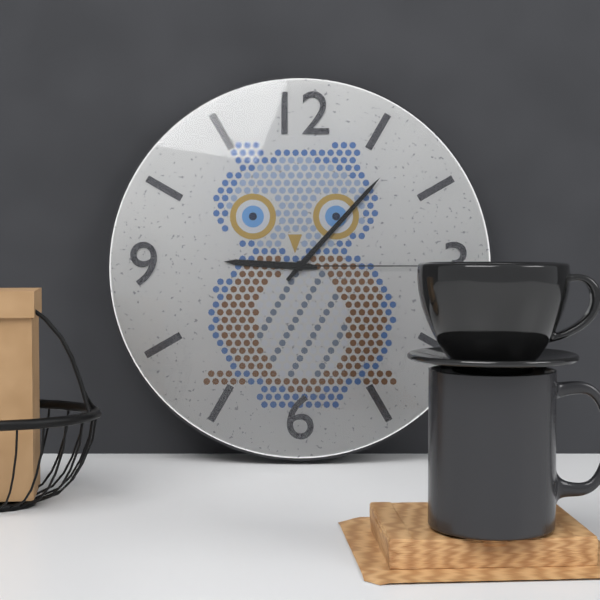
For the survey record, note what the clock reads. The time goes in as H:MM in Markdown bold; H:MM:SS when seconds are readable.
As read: **9:07:15**
